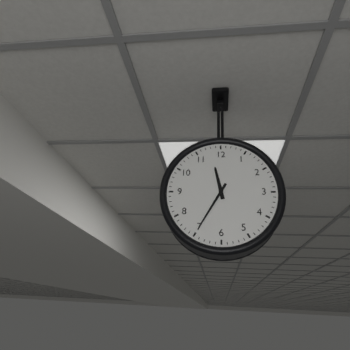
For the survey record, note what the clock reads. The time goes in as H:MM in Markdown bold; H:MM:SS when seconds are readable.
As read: **11:35**
